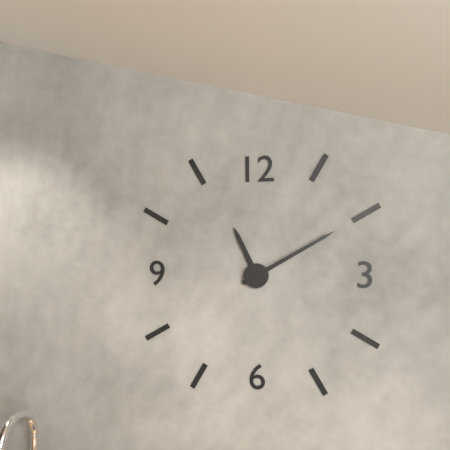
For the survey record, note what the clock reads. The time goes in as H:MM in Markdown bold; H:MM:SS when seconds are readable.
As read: **11:10**
